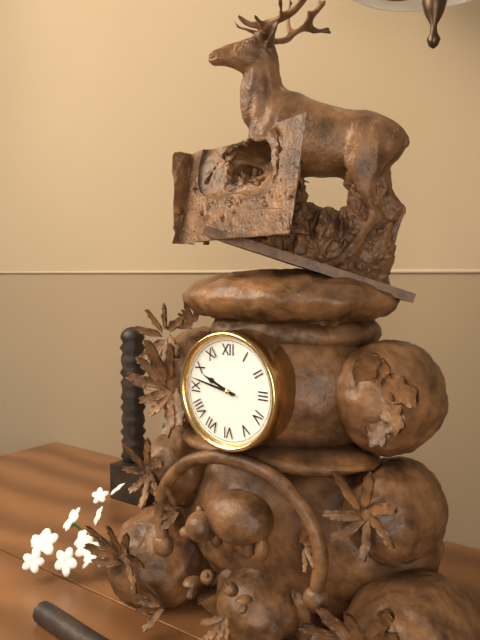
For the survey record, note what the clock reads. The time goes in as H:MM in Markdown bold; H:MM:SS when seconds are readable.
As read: **9:47**
